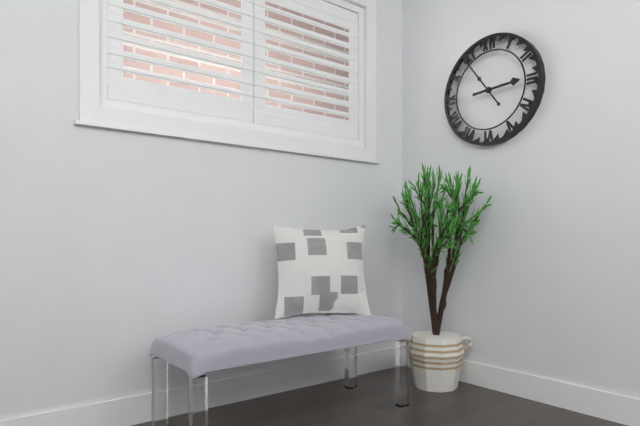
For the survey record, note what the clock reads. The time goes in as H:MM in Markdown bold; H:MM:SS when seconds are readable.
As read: **2:54**
